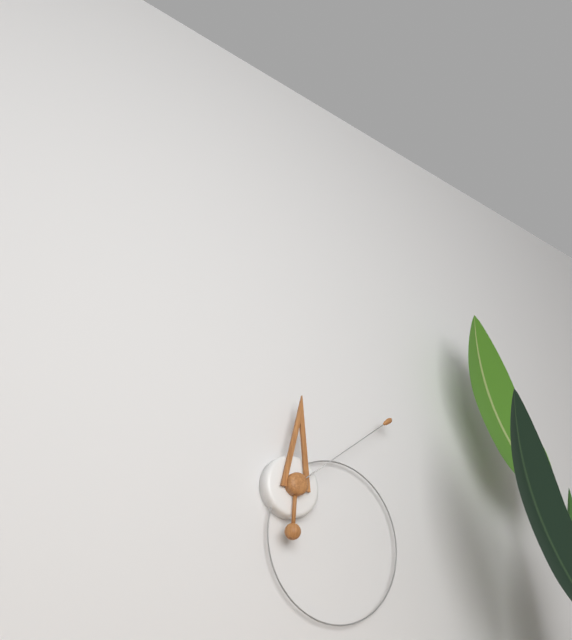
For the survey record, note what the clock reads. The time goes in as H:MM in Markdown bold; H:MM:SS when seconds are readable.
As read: **12:09**
